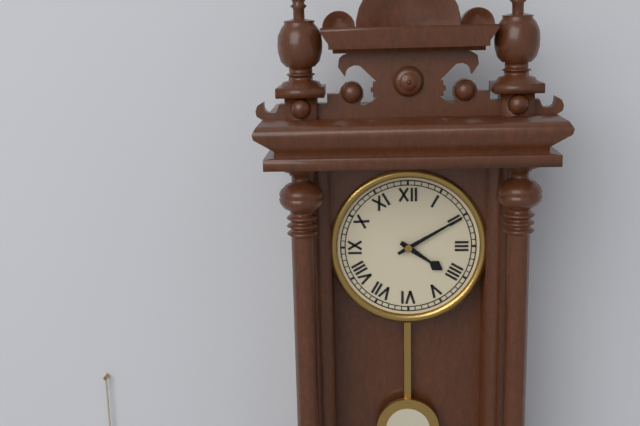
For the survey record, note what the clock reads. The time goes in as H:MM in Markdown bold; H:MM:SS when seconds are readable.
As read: **4:10**
